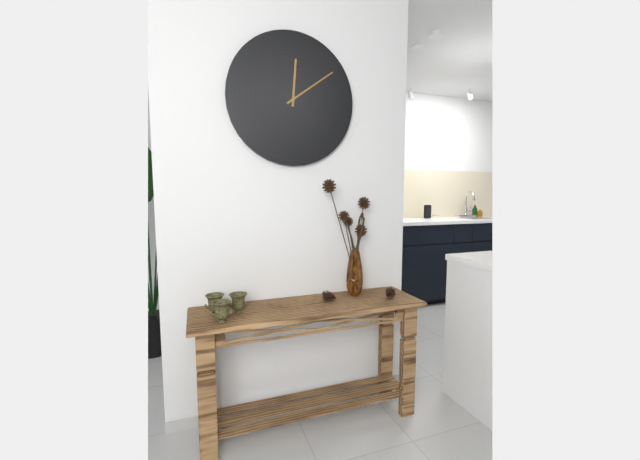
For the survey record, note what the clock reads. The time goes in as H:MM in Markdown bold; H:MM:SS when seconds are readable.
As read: **12:09**
